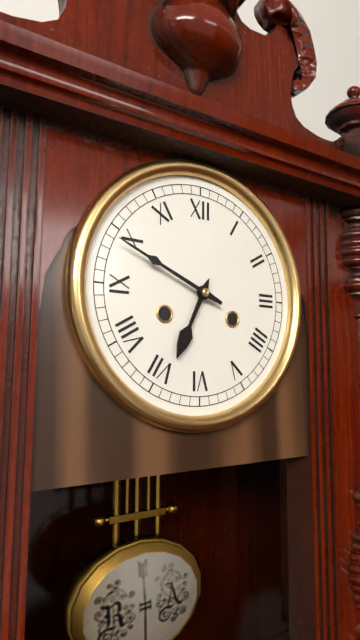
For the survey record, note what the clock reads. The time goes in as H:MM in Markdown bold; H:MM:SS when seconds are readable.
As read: **6:49**
